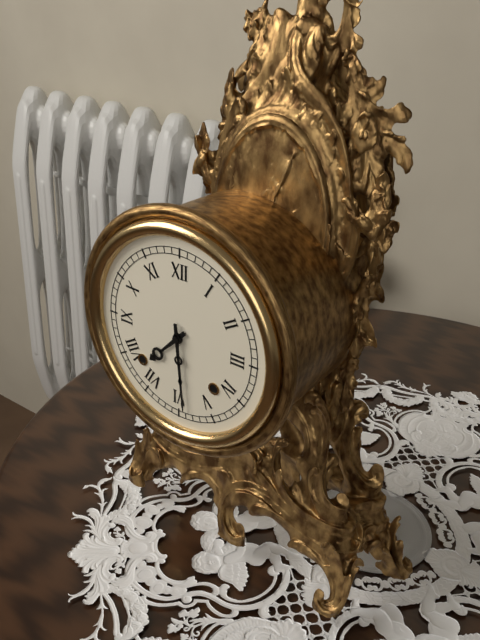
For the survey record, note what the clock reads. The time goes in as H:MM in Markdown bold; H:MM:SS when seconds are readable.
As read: **7:29**
